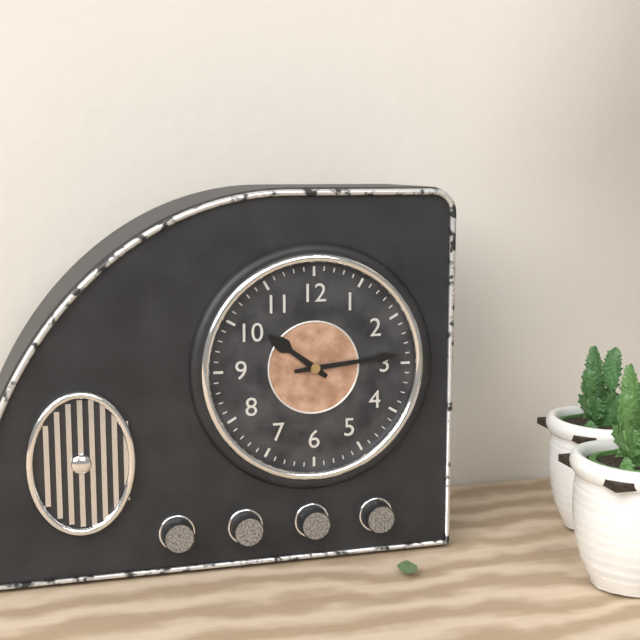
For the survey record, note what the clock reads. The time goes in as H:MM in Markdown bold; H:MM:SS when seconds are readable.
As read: **10:14**
